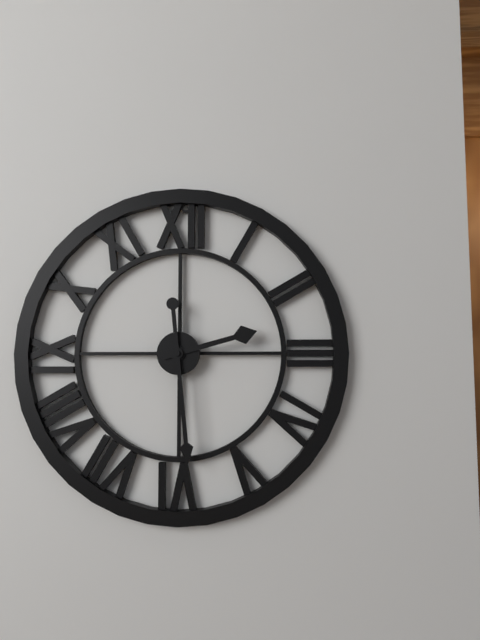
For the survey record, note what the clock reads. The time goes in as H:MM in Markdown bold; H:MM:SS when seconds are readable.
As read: **2:29**
